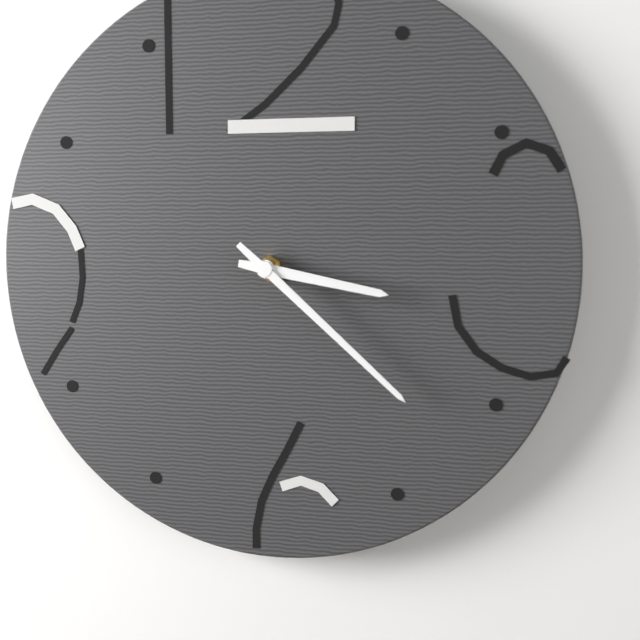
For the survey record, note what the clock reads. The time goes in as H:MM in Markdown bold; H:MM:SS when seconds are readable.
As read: **3:22**
